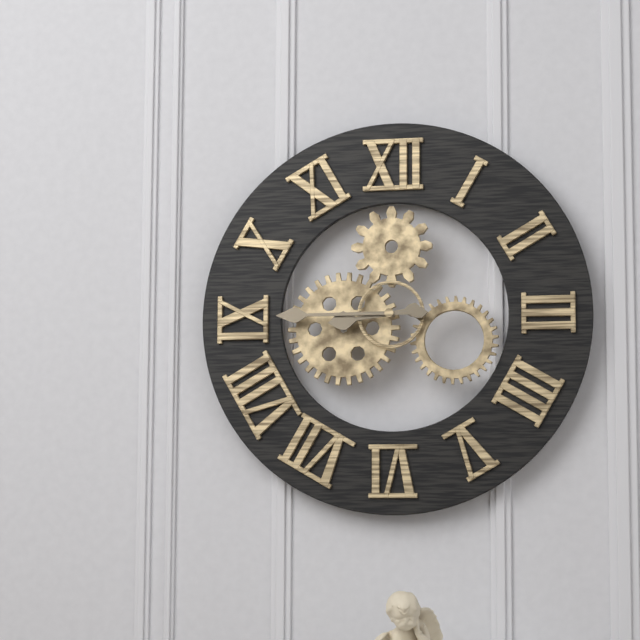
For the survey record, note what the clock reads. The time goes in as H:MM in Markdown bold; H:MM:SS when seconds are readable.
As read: **8:45**
